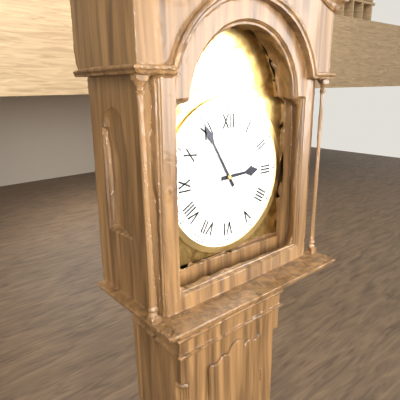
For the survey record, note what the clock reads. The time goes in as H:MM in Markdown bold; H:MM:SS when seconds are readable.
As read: **2:55**
